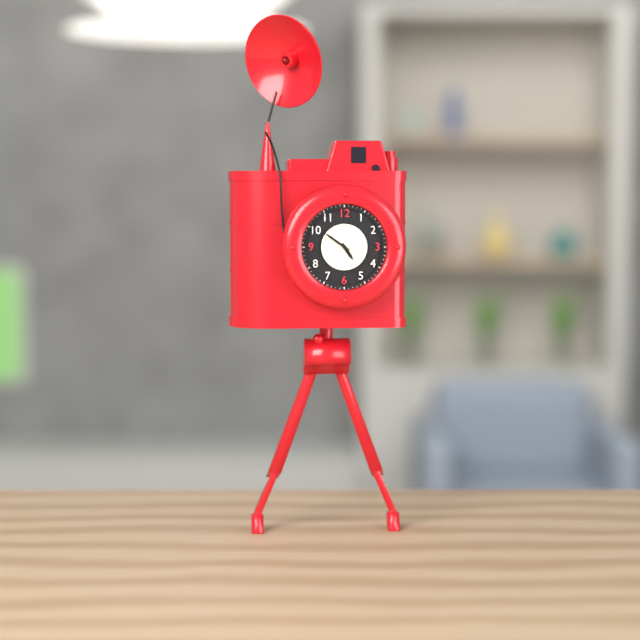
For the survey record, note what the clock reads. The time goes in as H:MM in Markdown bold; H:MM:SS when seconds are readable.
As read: **4:51**
